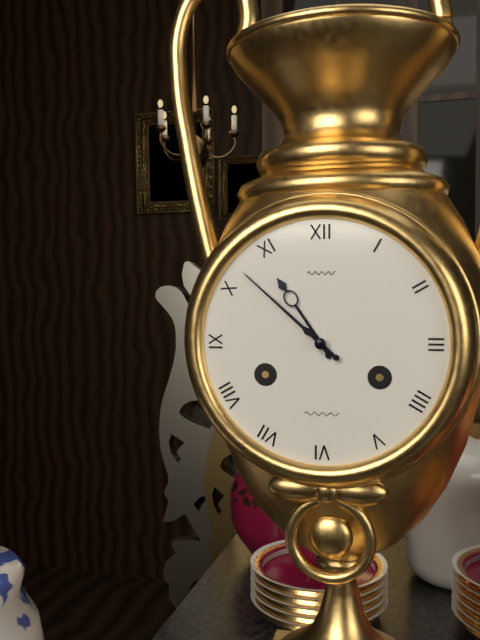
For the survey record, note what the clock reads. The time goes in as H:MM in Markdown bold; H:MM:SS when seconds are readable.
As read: **10:52**
